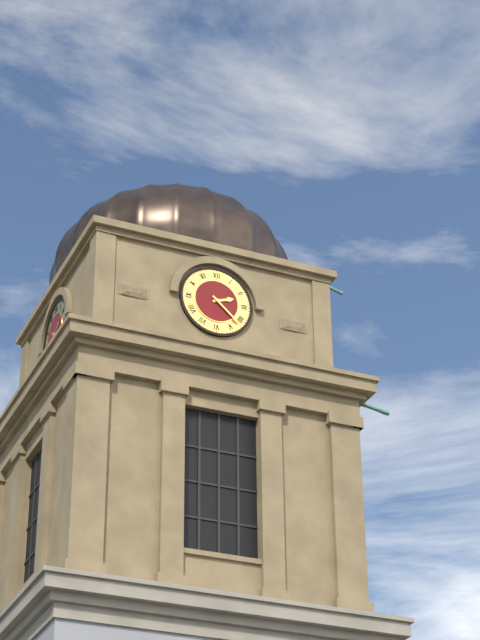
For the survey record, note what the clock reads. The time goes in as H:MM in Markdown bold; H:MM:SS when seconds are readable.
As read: **2:22**
